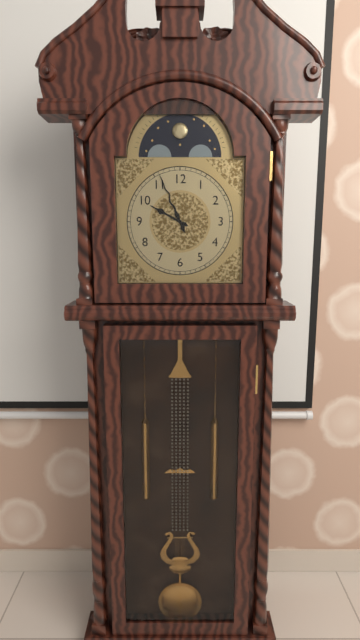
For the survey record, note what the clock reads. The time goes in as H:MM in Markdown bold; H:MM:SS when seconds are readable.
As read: **9:56**
